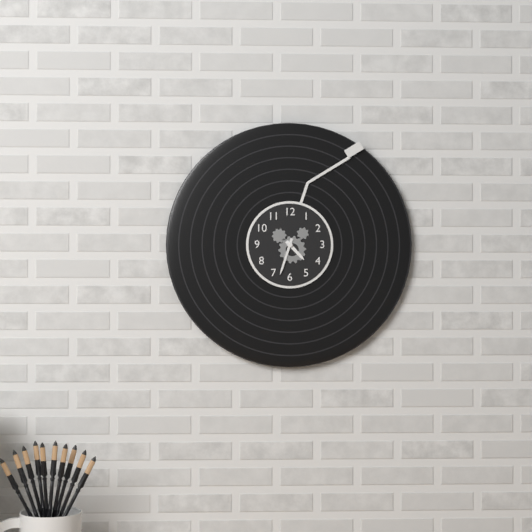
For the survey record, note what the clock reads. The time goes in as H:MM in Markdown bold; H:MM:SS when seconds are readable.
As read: **4:33**
